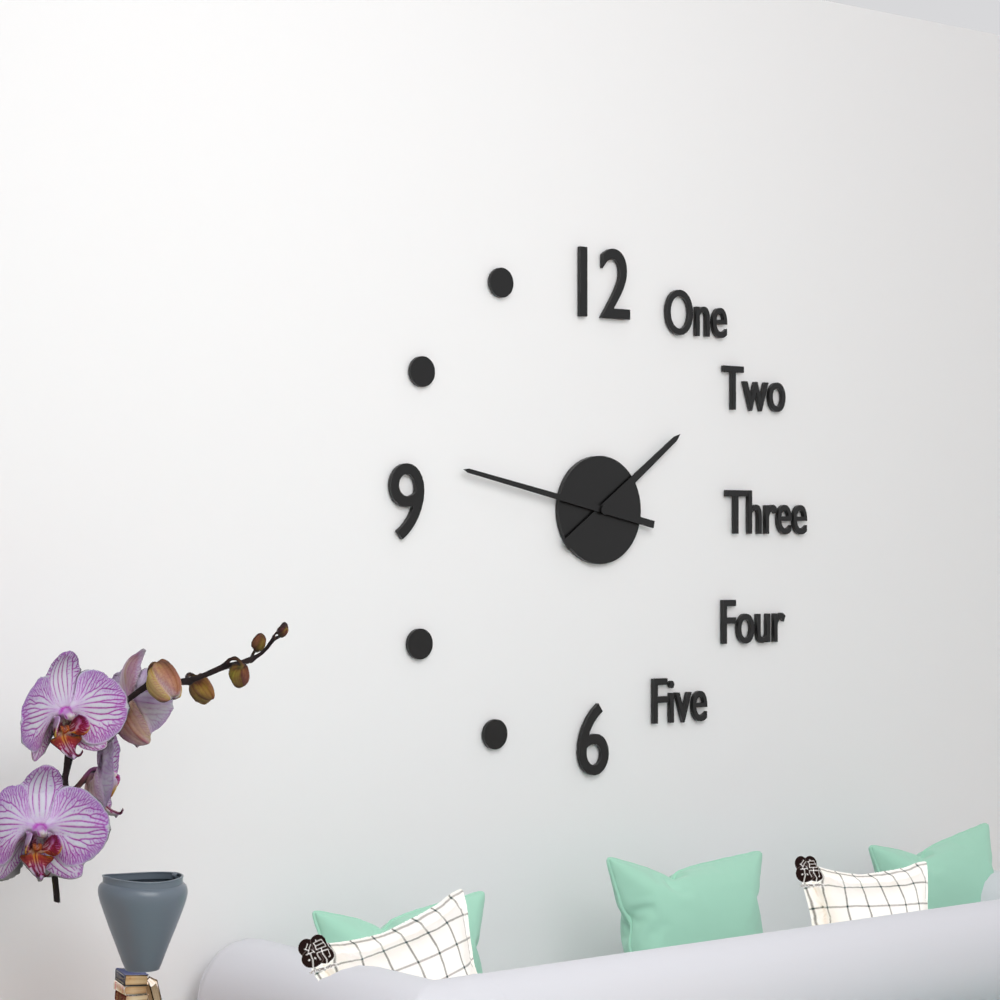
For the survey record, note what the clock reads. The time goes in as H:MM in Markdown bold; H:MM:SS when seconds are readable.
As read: **1:47**
